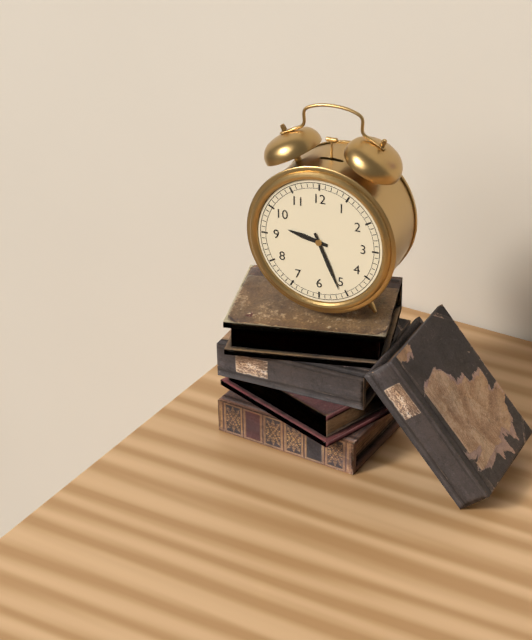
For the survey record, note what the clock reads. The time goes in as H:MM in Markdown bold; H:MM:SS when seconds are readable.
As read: **9:26**
